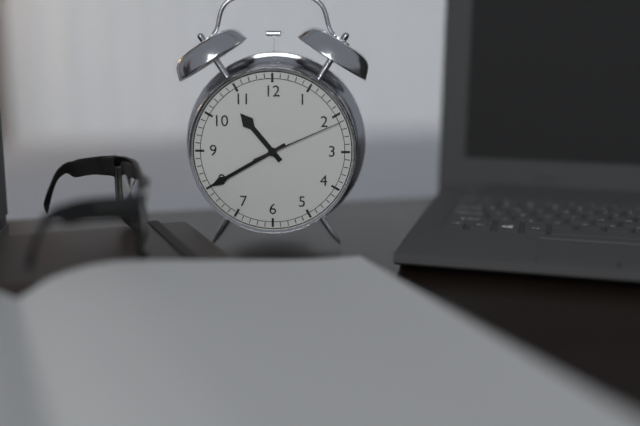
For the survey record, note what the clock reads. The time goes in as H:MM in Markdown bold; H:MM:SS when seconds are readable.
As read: **10:40:11**
